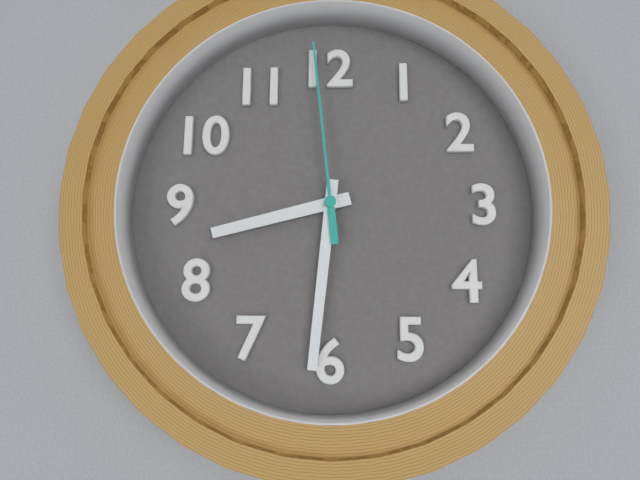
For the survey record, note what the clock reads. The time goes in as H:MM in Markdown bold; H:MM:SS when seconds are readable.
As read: **8:31:59**
